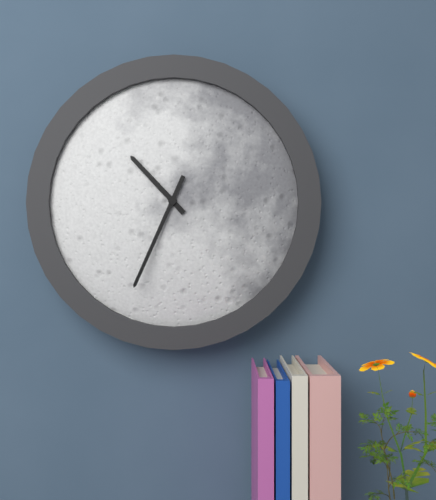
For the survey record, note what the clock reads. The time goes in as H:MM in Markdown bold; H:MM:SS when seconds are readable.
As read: **10:34**
